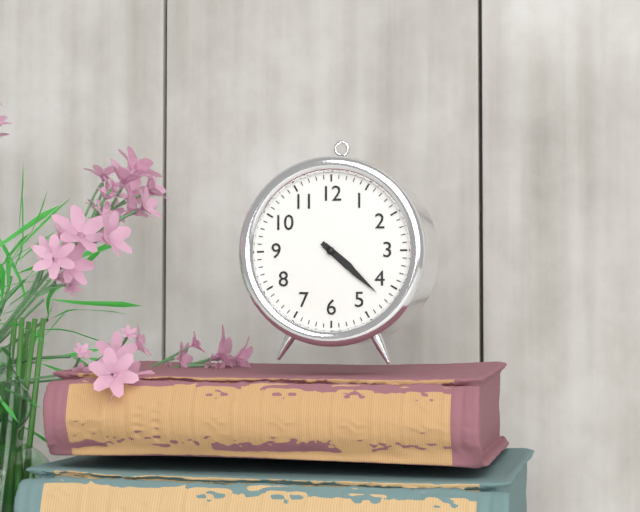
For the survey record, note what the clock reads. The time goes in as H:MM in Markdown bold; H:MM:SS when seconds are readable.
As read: **4:22**
